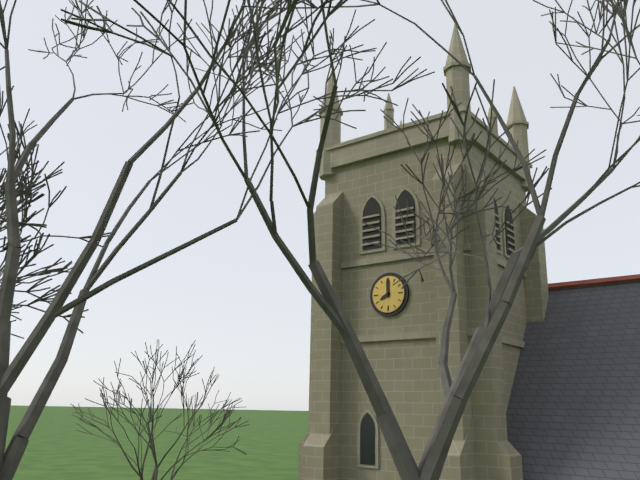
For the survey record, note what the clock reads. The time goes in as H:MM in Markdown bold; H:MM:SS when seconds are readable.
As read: **8:00**
